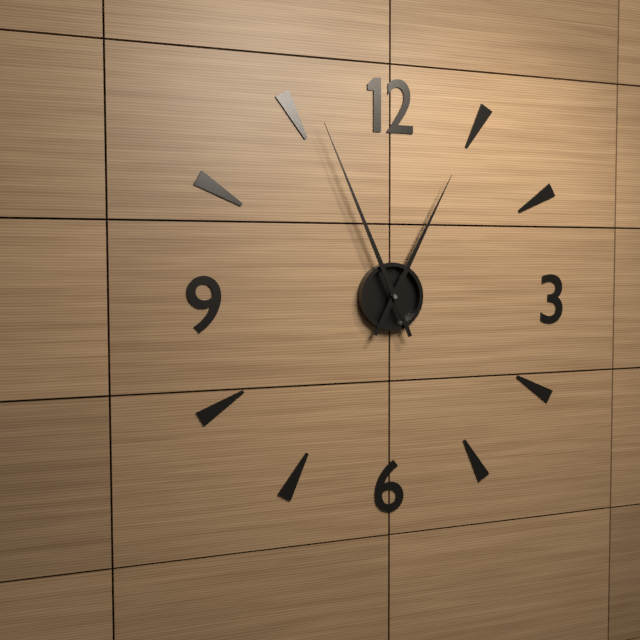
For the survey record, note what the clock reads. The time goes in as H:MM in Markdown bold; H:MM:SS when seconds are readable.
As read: **12:56**
